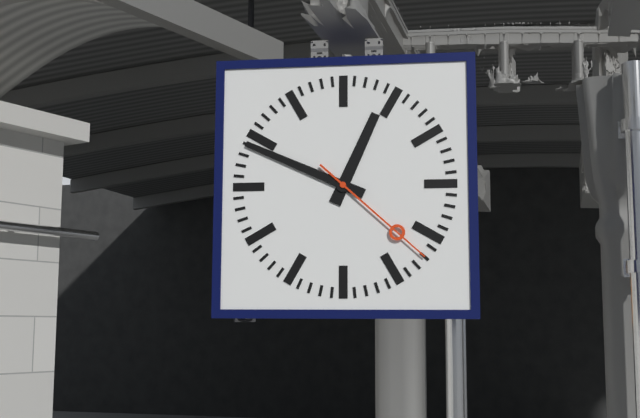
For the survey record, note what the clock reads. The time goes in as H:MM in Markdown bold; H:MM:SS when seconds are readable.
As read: **12:49:22**
